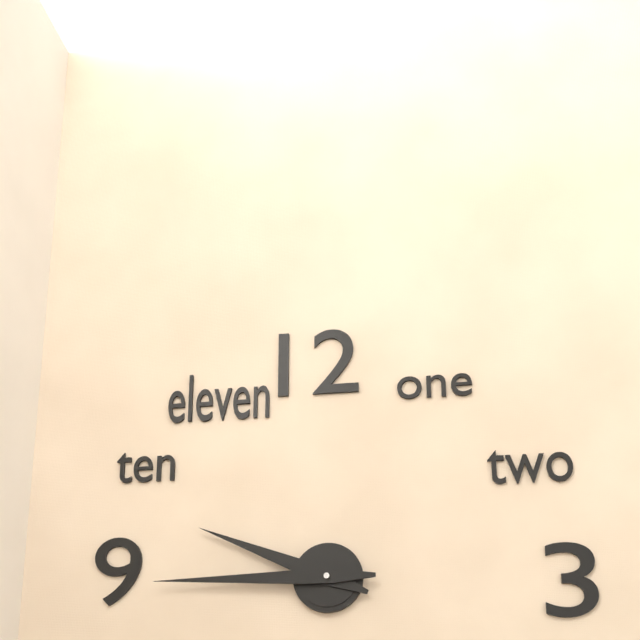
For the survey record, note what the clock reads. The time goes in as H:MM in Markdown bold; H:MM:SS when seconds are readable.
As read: **9:45**
